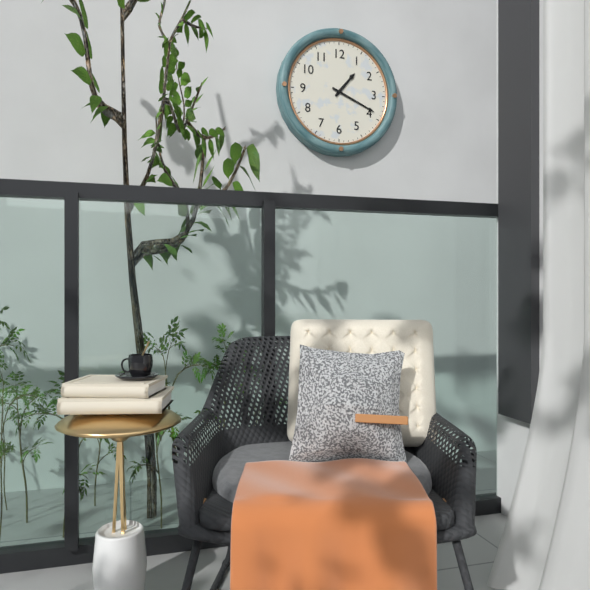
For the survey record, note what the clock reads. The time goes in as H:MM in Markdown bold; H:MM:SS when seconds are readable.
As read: **1:19**
